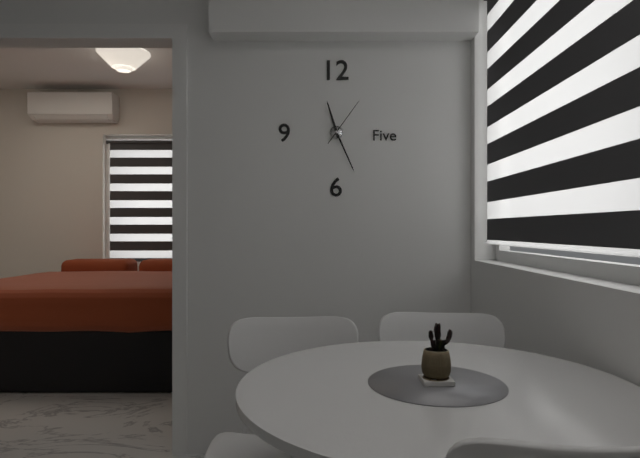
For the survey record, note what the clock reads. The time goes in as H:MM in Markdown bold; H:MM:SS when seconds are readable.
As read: **11:26:06**
